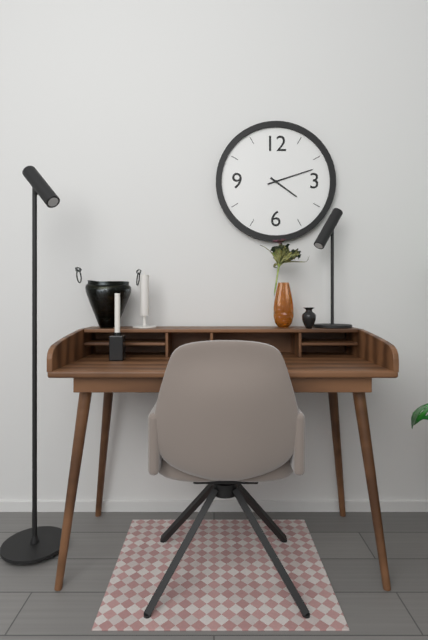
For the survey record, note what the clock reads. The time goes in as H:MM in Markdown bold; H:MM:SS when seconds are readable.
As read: **4:12**
